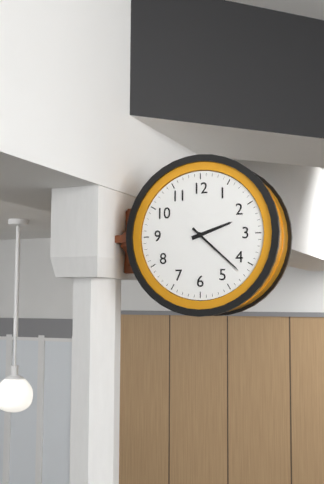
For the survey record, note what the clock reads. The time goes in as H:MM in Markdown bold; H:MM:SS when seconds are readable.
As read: **2:22**
